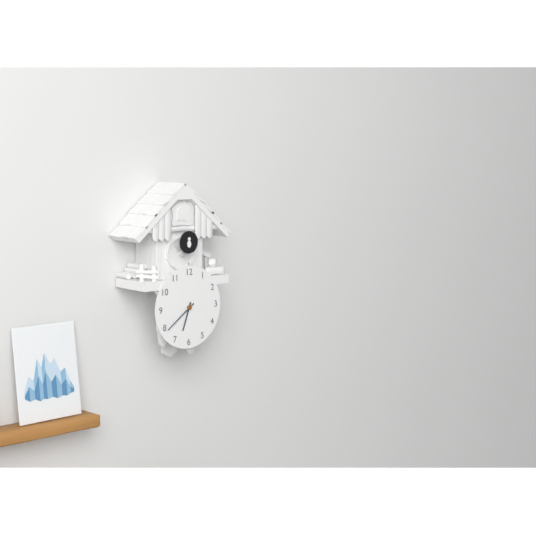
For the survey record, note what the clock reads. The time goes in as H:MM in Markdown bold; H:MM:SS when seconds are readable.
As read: **6:39**
